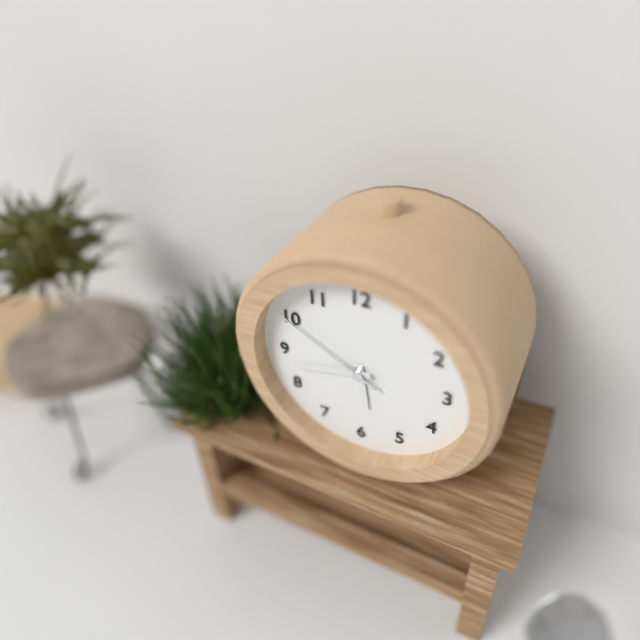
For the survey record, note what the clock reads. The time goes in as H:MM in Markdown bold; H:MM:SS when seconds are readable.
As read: **5:43:50**
